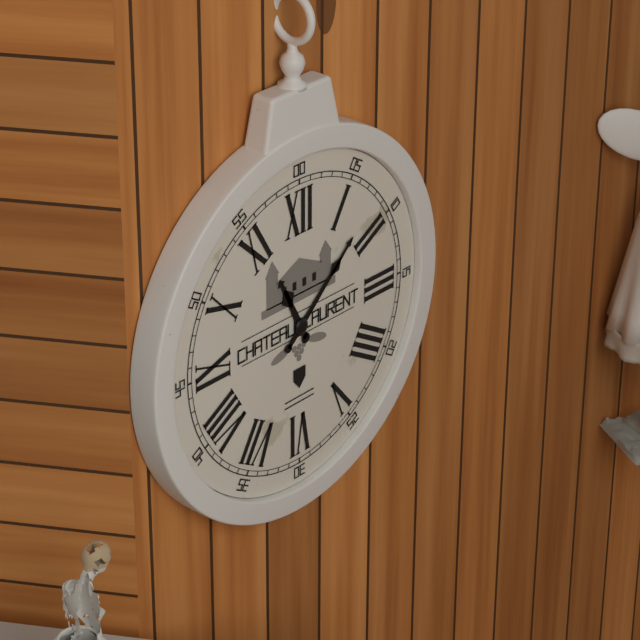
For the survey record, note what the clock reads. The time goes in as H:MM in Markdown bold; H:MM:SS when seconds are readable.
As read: **11:08**
